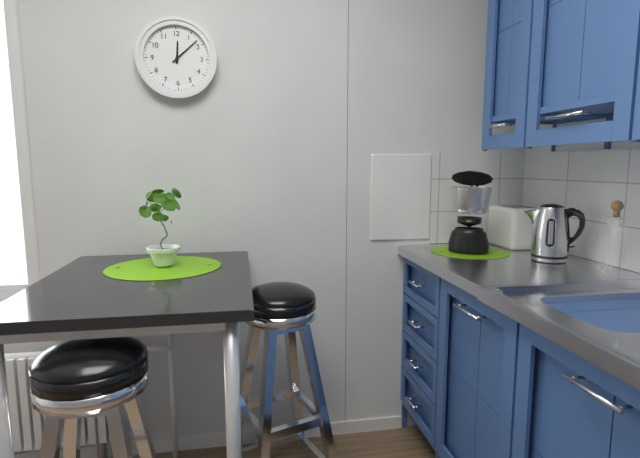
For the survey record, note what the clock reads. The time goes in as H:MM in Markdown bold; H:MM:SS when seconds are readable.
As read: **12:08**
